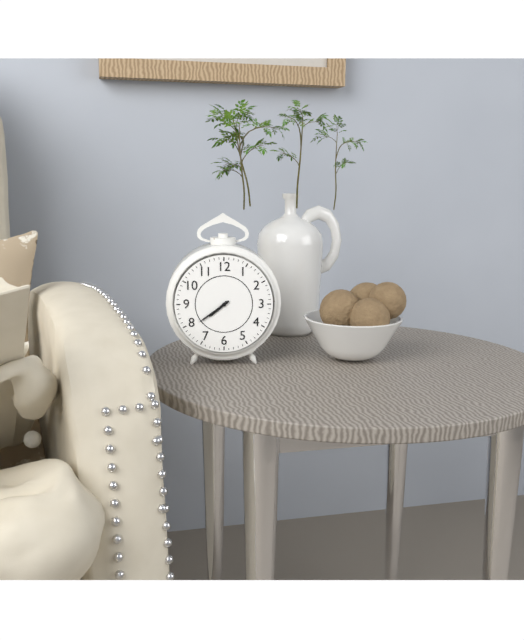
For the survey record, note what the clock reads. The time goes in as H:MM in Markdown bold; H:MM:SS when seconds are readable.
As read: **7:39**
